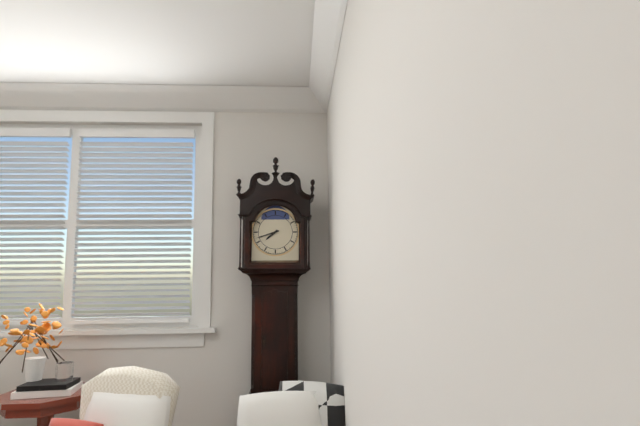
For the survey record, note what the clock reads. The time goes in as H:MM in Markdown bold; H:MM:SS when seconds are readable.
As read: **7:42**
